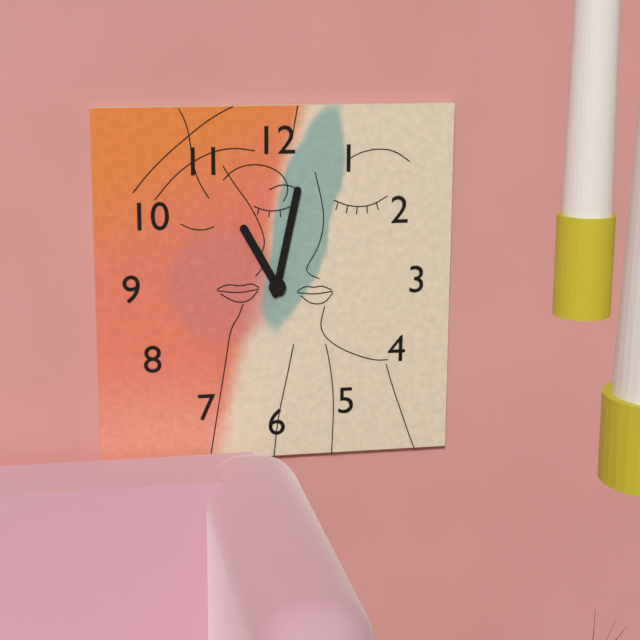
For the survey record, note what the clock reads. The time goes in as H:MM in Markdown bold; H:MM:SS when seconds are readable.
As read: **11:02**
